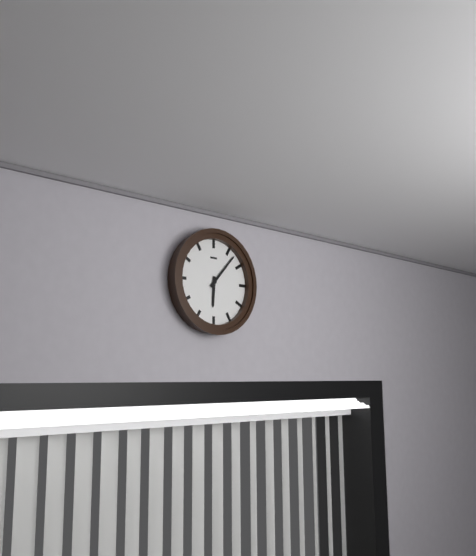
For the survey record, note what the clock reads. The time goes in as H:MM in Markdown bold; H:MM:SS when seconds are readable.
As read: **6:07**
